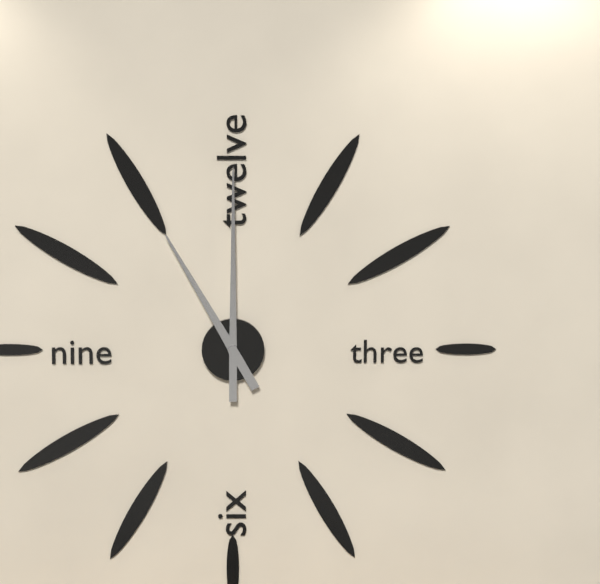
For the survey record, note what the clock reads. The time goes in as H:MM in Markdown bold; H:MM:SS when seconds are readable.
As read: **11:00**
